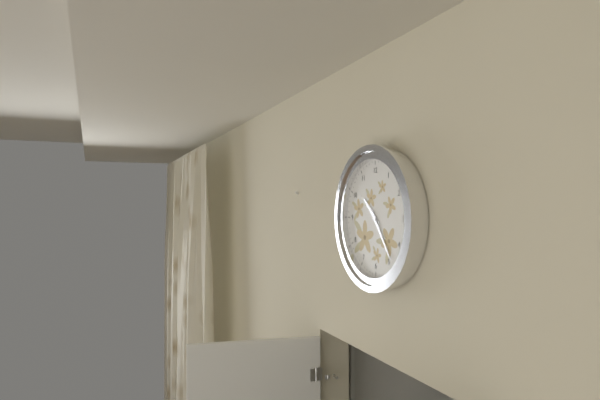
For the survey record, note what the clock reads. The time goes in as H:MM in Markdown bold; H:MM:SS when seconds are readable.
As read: **10:24**
